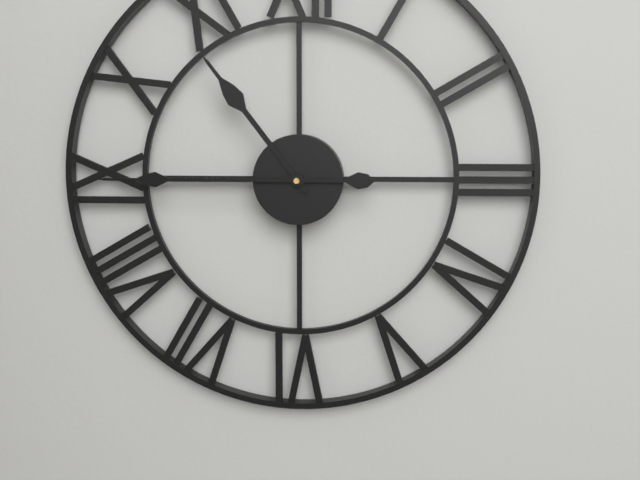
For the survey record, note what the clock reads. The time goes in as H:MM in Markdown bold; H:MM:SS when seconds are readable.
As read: **10:45**
